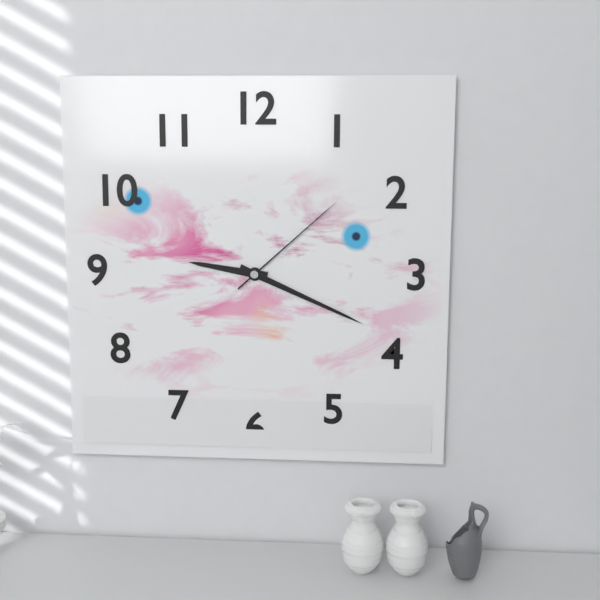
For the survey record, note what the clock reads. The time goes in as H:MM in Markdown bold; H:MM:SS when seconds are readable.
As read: **9:19:08**
